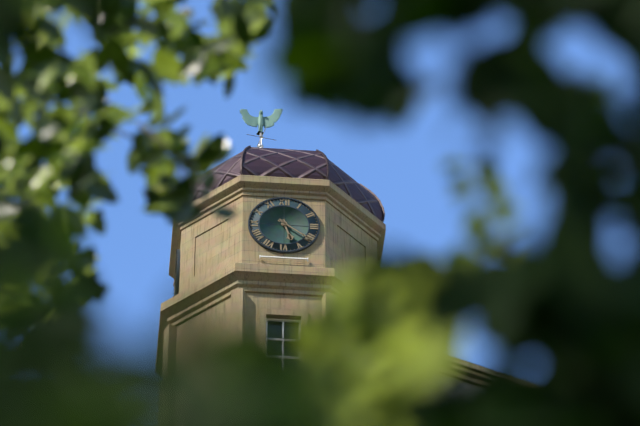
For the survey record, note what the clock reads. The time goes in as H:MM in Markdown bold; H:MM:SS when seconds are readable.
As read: **5:21**
